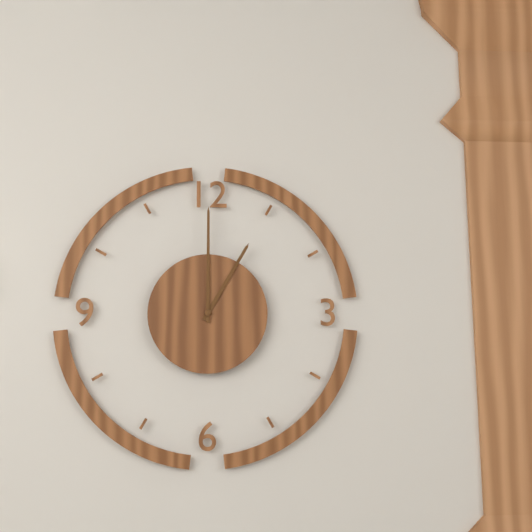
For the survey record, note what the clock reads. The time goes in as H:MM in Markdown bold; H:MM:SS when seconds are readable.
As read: **1:00**
